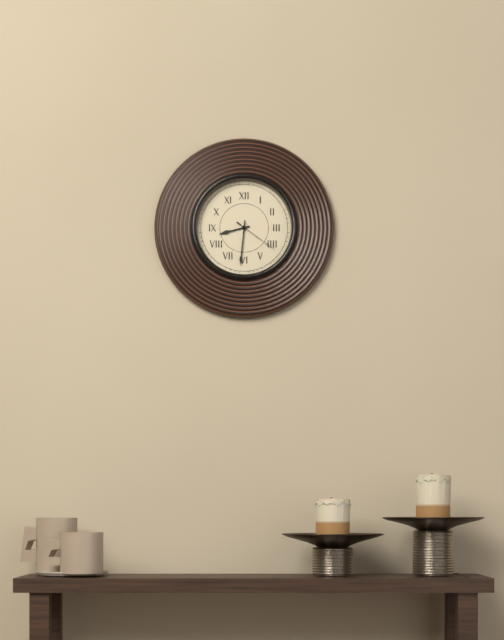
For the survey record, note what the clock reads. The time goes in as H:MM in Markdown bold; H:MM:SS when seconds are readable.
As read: **8:31**
